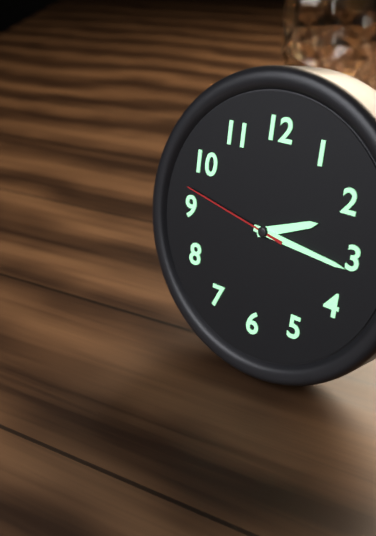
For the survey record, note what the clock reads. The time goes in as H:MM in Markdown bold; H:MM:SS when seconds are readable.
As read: **2:16:47**
